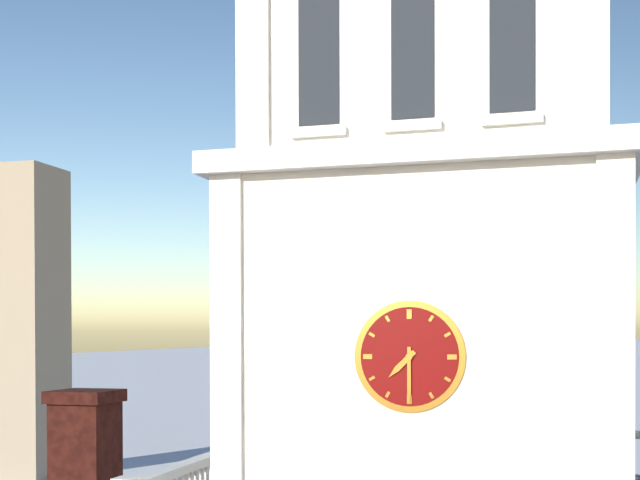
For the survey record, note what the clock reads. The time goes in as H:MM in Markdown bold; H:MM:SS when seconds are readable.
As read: **7:30**
